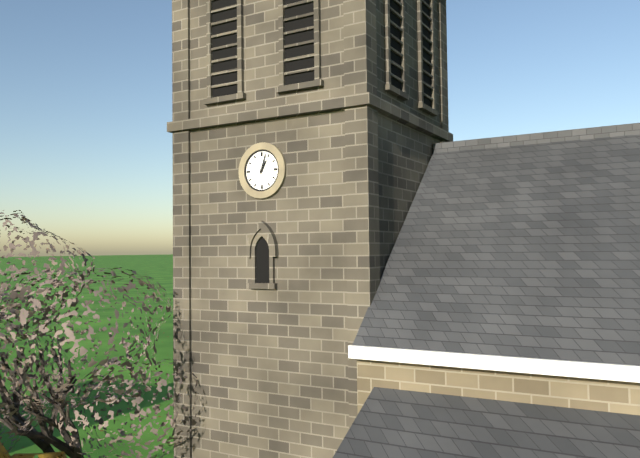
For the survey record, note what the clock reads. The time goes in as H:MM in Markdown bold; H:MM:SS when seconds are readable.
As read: **1:03**
